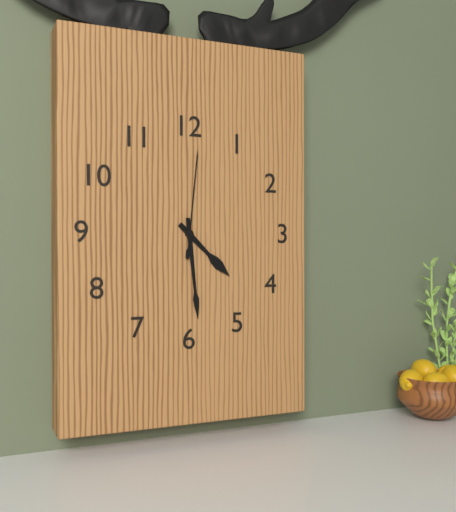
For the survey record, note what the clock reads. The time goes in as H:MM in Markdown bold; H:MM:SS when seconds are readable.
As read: **4:29:01**
